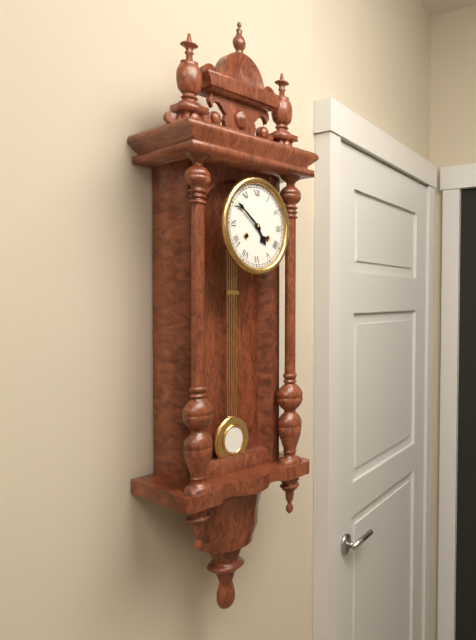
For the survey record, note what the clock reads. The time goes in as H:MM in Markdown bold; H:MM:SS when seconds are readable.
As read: **4:51**
